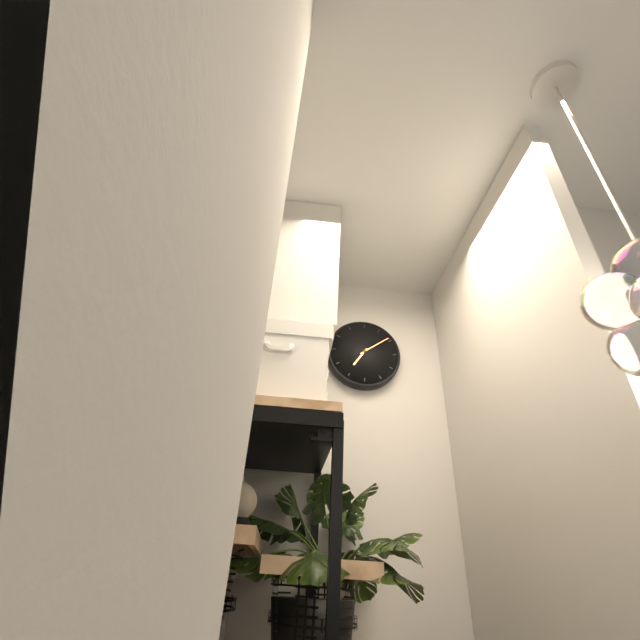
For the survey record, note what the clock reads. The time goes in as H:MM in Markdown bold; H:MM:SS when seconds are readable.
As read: **7:09**
